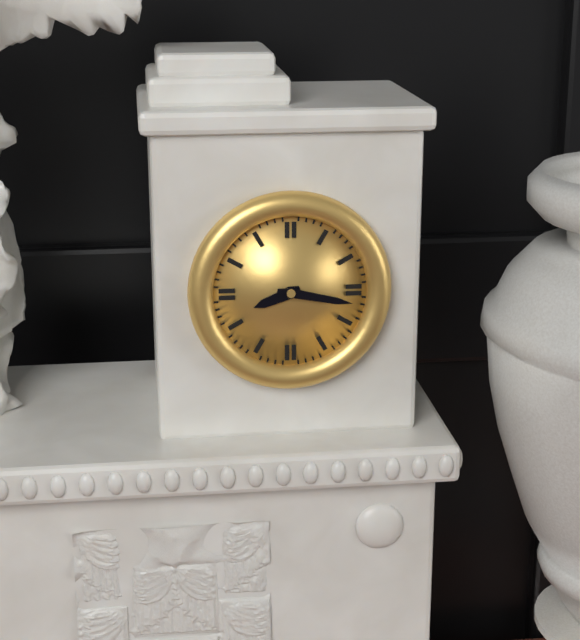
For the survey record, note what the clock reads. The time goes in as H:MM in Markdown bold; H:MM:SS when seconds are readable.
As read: **8:17**
